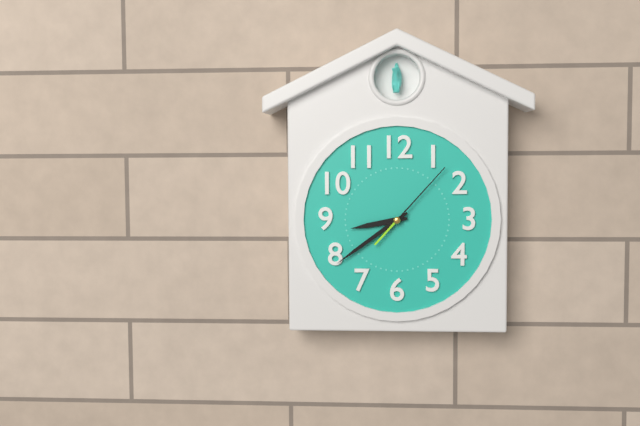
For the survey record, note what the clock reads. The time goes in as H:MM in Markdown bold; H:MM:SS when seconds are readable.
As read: **8:39:07**
